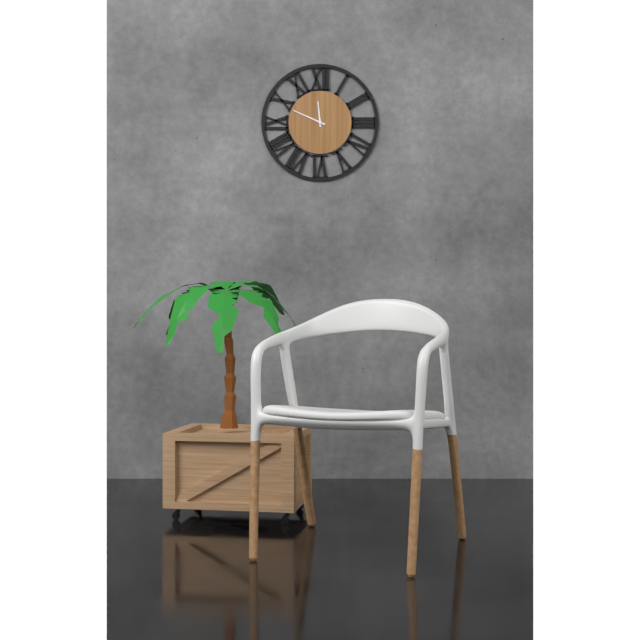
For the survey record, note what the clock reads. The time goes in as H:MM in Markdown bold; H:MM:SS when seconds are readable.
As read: **11:49**
